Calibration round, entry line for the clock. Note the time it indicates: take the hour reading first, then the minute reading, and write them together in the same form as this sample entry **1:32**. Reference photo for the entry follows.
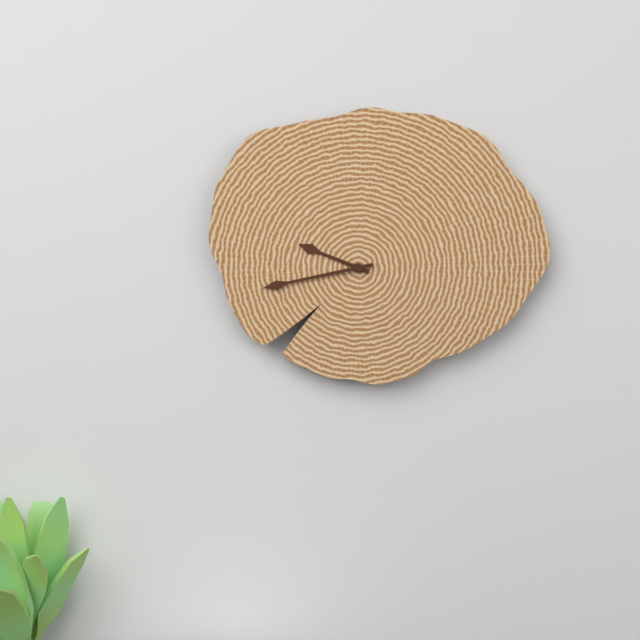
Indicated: **9:43**
